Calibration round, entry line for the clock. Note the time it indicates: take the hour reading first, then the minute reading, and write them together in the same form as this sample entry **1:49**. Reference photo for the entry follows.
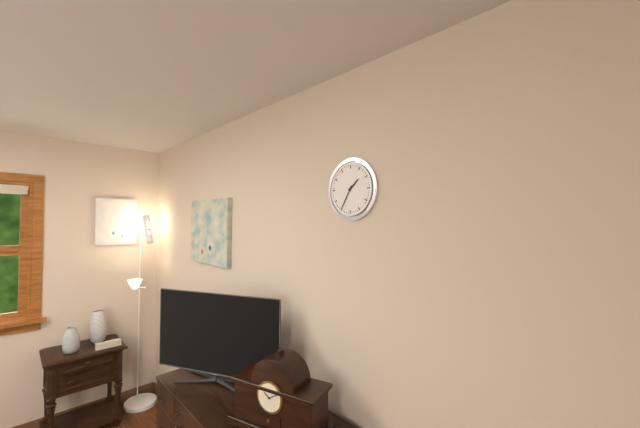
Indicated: **1:35**
